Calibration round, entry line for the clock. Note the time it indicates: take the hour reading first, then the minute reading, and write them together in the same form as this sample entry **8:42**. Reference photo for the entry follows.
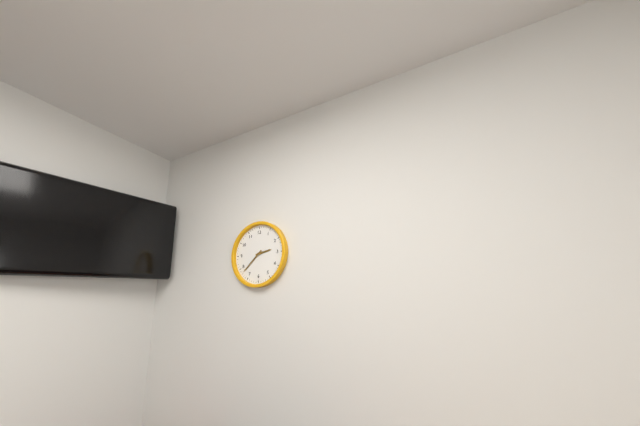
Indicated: **2:38**
